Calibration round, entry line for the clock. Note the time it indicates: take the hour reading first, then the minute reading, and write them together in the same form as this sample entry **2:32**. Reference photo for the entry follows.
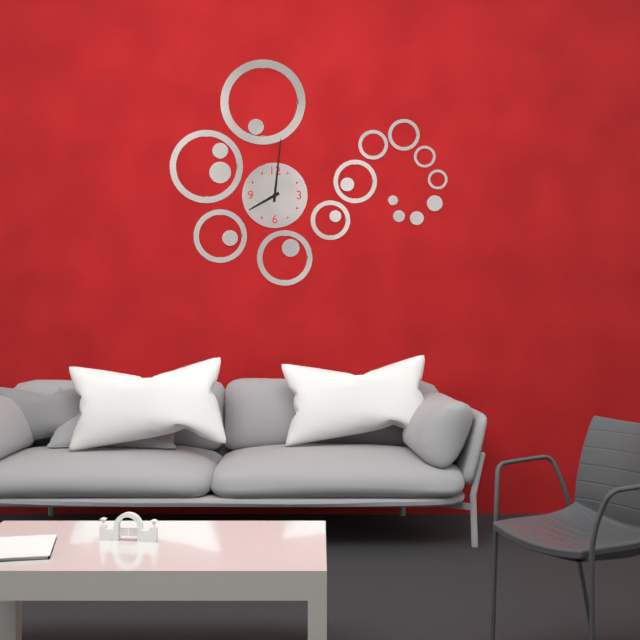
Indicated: **8:01**
